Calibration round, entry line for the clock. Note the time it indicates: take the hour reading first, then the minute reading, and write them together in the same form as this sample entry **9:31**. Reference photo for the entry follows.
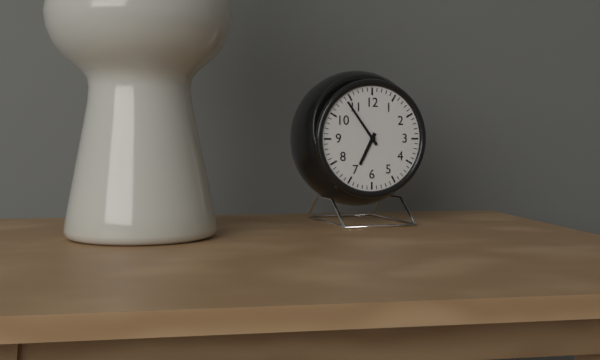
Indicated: **6:54**
